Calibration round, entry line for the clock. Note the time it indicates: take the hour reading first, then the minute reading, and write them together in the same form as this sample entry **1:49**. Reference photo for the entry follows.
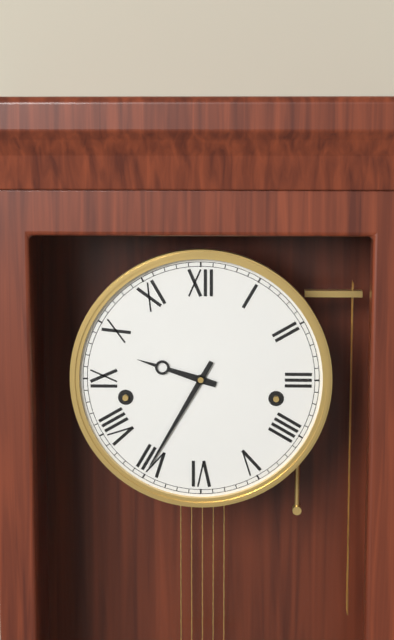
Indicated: **9:35**
